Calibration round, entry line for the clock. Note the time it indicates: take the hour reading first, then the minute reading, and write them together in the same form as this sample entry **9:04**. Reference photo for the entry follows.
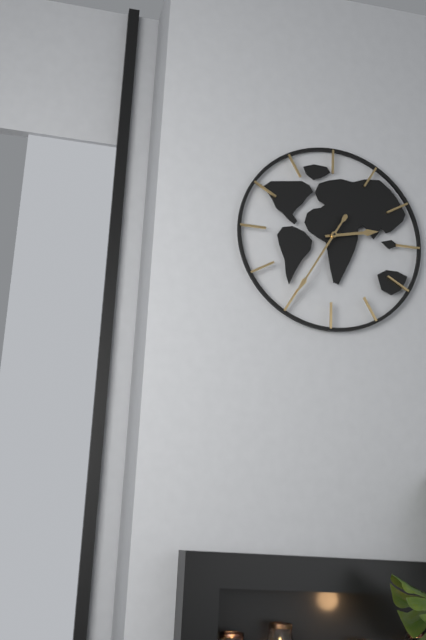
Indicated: **2:35**
